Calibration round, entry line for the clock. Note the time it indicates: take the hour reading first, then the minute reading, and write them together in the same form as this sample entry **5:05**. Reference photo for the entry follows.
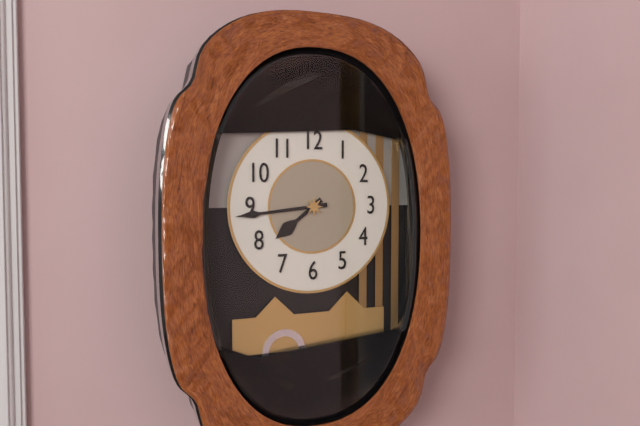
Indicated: **7:44**
